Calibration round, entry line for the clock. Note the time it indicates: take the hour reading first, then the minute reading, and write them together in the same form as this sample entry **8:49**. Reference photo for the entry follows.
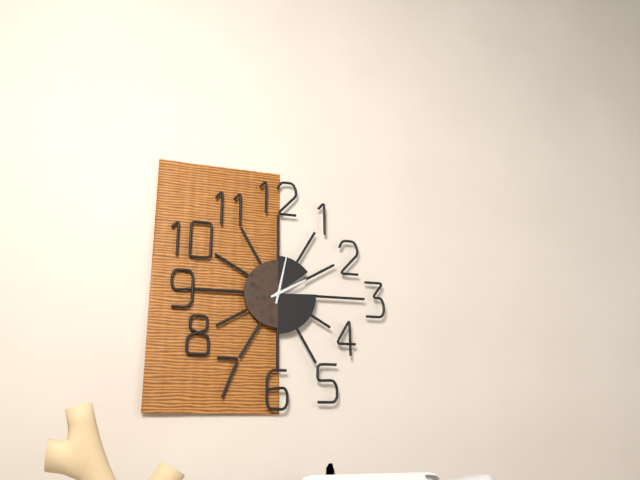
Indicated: **2:02**
